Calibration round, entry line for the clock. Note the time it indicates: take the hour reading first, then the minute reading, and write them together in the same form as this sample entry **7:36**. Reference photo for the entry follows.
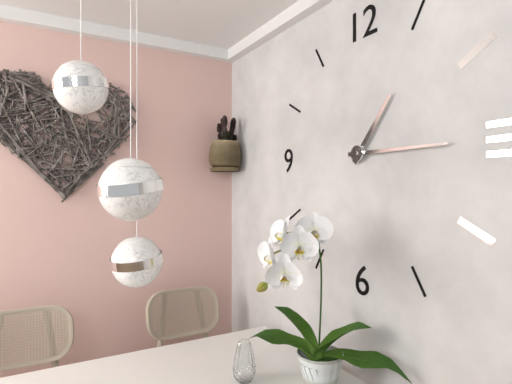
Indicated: **1:15**
